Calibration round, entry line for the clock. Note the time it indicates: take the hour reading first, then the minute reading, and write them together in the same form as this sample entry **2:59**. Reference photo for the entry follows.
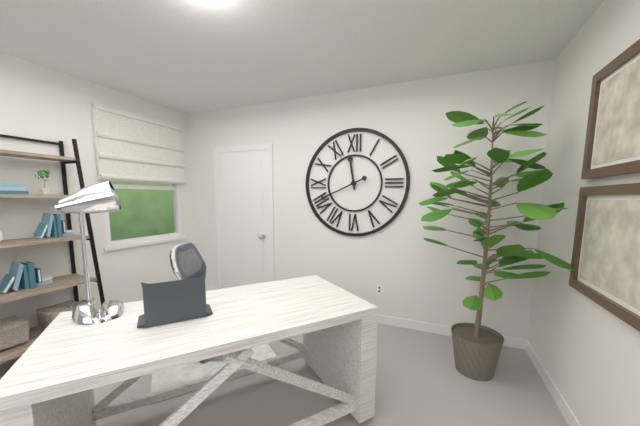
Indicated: **11:41**
